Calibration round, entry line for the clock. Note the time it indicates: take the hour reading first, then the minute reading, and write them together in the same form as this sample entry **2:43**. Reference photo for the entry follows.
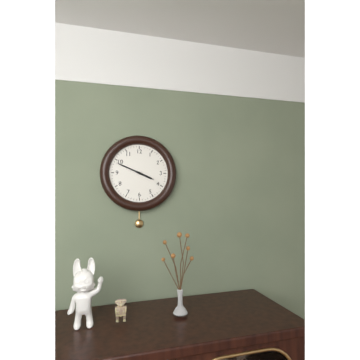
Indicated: **3:49**
